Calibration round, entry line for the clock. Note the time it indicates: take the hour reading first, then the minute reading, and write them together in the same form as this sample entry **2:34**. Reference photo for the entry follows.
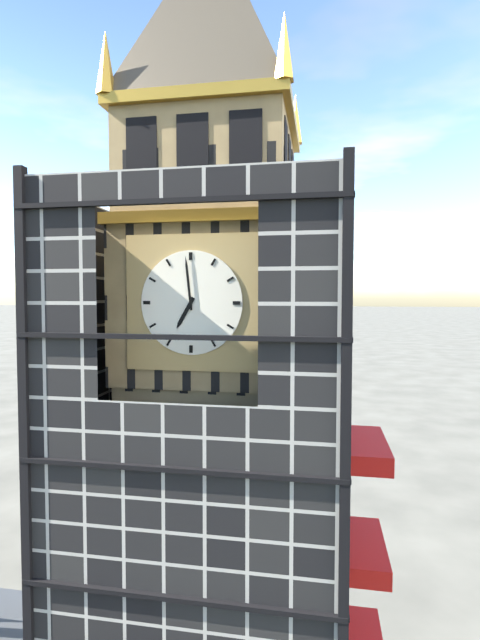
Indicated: **6:59**
